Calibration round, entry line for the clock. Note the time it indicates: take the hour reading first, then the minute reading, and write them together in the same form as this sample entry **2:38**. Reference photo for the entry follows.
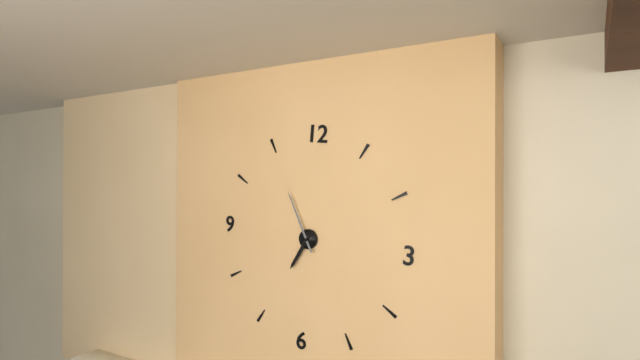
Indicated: **6:55**
